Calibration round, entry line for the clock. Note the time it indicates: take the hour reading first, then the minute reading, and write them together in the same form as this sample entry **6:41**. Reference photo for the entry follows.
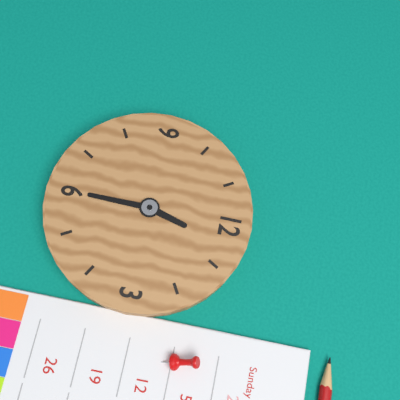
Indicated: **12:30**
